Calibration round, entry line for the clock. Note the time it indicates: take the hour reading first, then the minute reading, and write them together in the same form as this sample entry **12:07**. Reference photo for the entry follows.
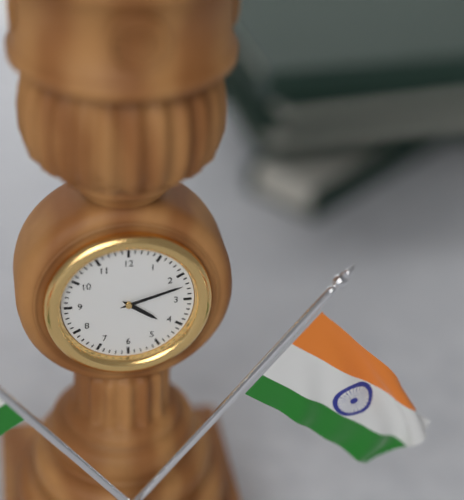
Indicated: **4:12**
